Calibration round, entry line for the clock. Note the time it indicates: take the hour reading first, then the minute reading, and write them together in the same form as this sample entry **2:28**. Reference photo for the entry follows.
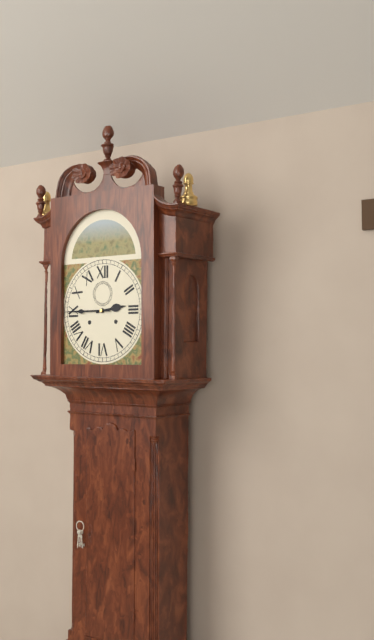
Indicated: **2:45**
